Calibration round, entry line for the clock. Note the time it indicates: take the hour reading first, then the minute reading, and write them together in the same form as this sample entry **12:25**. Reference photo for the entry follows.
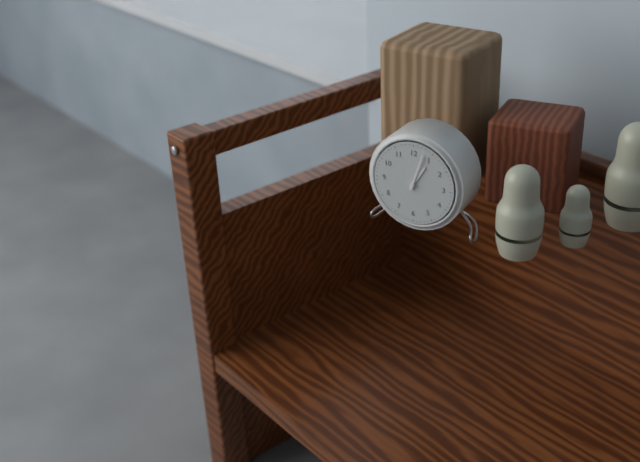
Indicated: **1:03**
